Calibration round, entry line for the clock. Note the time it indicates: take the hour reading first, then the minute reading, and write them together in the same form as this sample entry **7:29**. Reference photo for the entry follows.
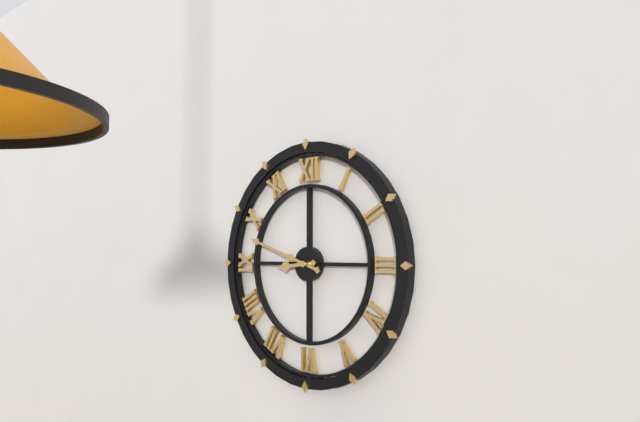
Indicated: **8:48**
